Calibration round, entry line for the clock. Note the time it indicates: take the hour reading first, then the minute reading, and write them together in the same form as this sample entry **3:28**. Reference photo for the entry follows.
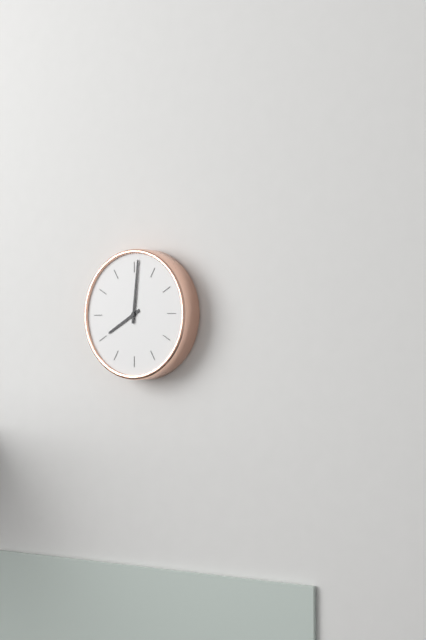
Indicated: **8:01**
